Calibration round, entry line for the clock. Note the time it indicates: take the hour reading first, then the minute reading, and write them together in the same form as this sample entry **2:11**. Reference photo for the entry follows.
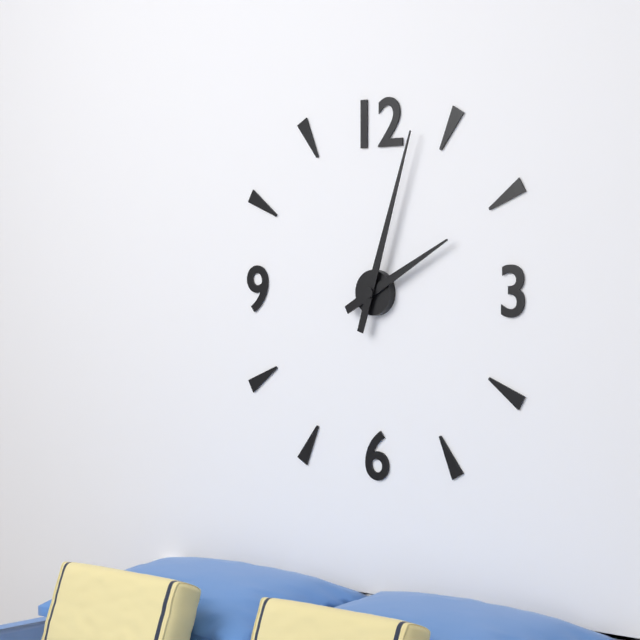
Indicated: **2:03**
